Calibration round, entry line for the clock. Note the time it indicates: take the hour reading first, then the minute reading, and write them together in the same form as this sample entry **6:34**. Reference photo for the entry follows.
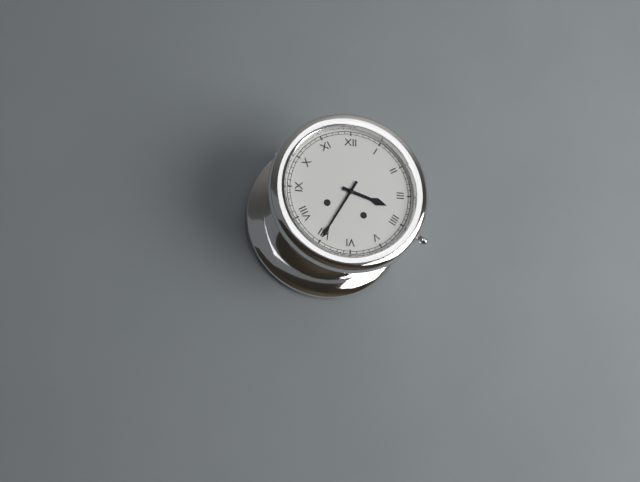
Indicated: **3:35**
